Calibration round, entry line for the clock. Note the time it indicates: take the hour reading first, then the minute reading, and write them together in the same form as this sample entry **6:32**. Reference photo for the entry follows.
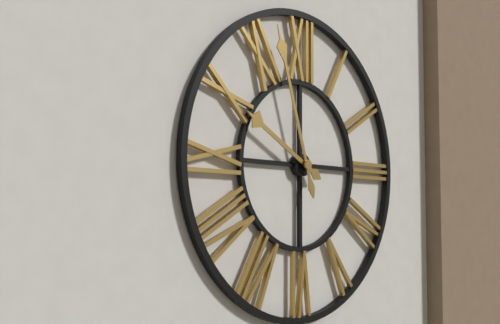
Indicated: **9:57**
